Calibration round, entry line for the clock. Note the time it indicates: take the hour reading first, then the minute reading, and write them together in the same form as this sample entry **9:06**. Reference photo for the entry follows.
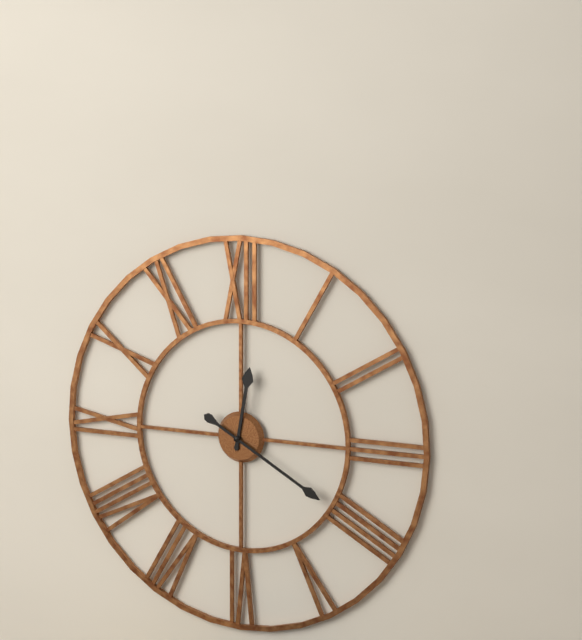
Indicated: **12:20**
